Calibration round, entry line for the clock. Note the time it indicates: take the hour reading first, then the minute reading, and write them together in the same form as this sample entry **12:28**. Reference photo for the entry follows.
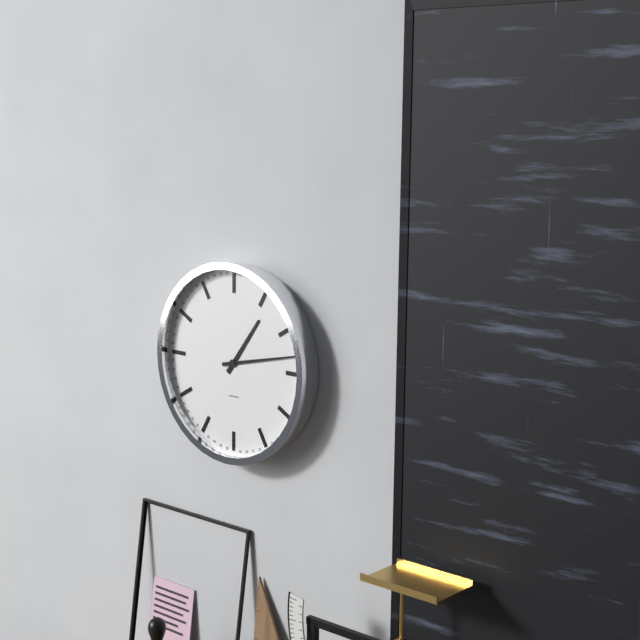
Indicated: **1:13**
